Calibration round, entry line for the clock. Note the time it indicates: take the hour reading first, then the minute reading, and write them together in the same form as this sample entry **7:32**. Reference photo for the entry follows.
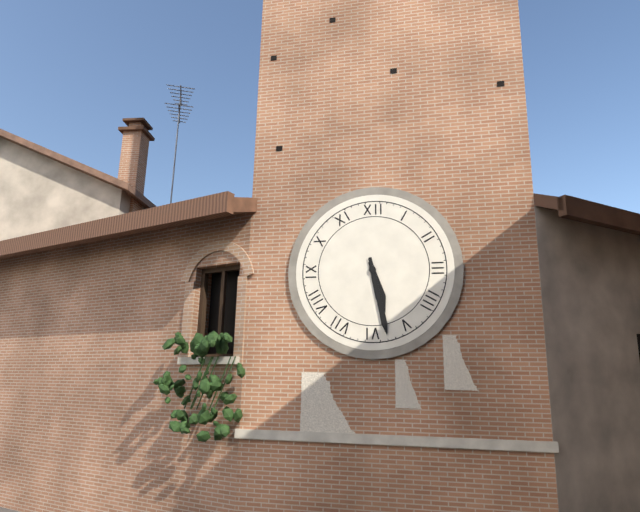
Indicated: **5:28**
